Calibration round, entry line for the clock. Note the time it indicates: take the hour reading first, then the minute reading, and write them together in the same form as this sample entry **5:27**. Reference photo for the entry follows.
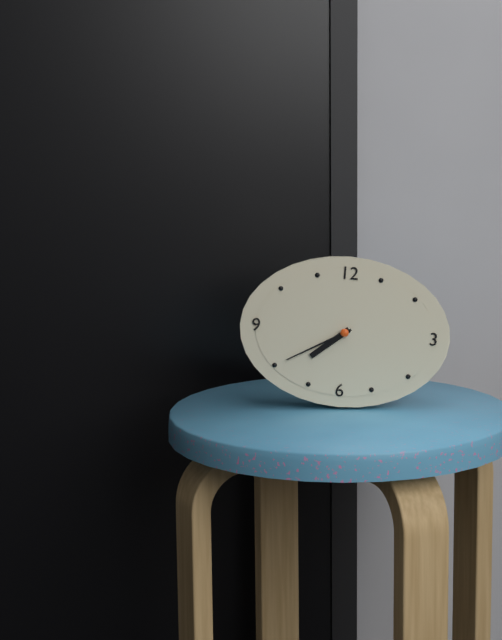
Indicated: **7:40**
